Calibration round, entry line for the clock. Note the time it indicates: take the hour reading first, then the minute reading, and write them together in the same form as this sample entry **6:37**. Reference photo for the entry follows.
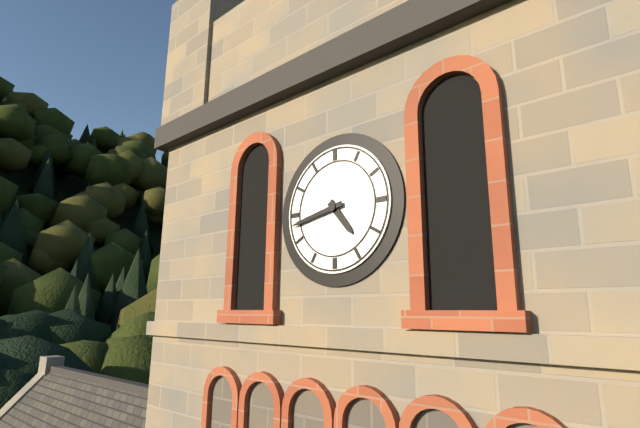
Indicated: **4:43**
